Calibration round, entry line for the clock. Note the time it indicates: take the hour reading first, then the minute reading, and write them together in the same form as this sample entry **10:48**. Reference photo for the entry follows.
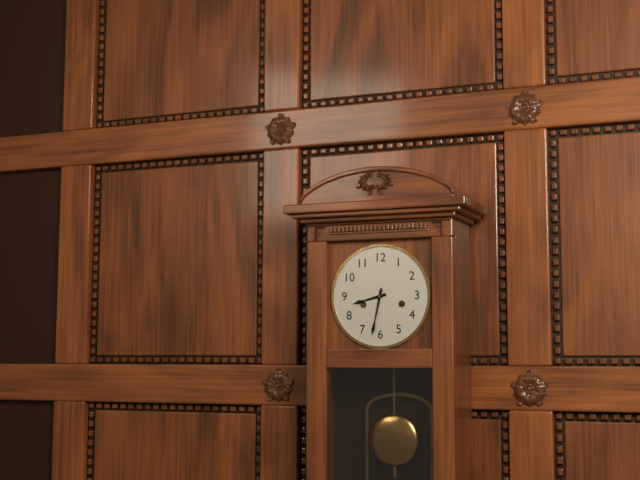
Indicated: **8:32**
